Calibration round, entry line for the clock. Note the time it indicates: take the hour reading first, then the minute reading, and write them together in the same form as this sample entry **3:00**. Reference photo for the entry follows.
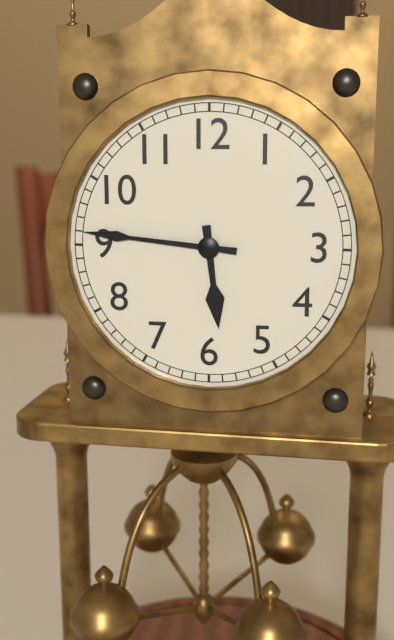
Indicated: **5:46**
